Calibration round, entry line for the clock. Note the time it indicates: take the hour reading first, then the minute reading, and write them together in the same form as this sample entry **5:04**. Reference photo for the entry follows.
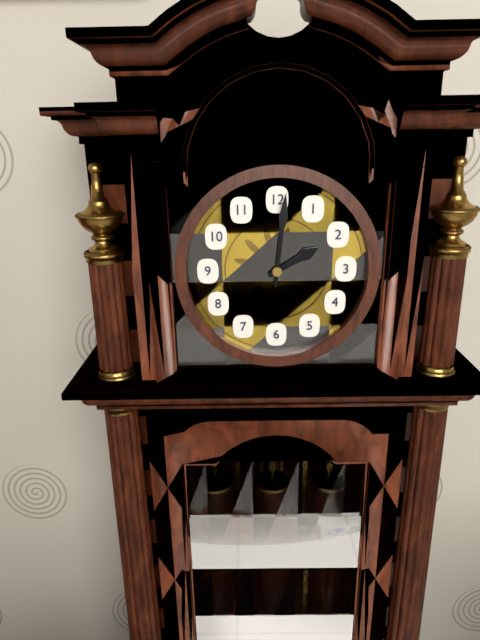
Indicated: **2:01**
